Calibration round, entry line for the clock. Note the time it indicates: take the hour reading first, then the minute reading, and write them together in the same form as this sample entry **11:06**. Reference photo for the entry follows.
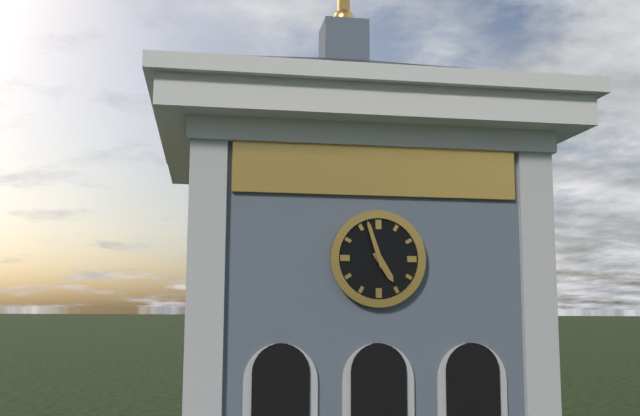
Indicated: **4:57**
